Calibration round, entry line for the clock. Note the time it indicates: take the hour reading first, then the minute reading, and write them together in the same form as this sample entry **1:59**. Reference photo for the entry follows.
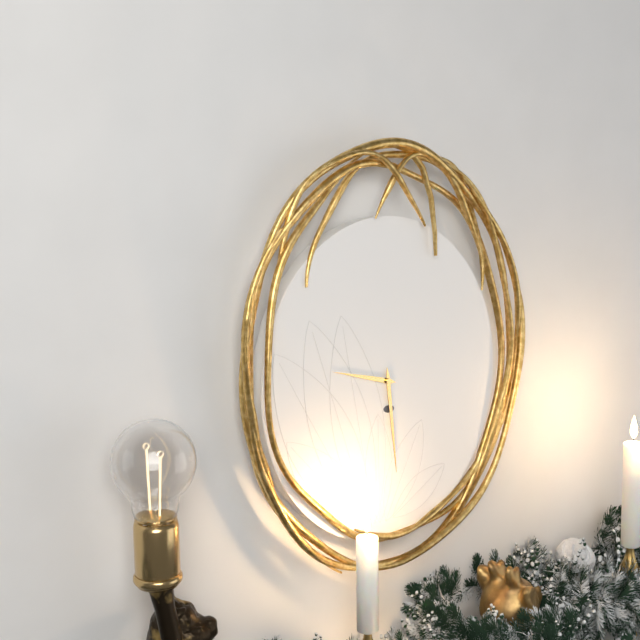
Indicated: **9:29**
